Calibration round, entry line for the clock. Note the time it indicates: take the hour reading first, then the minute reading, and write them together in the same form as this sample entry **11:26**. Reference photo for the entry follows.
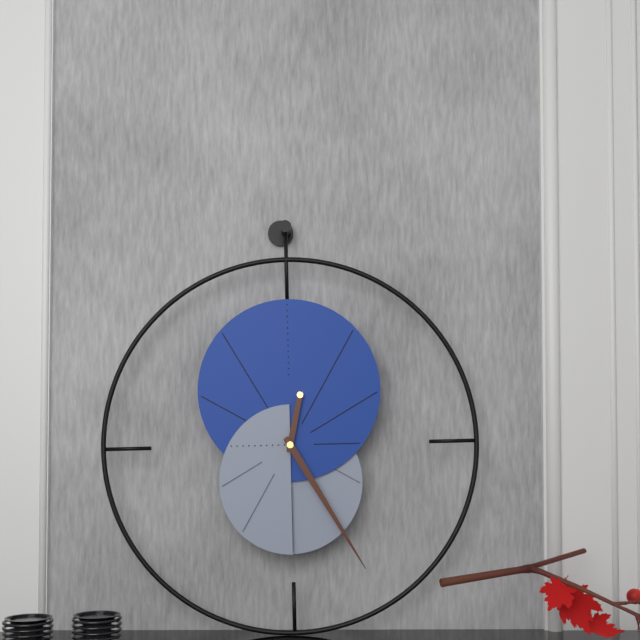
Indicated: **12:25**
